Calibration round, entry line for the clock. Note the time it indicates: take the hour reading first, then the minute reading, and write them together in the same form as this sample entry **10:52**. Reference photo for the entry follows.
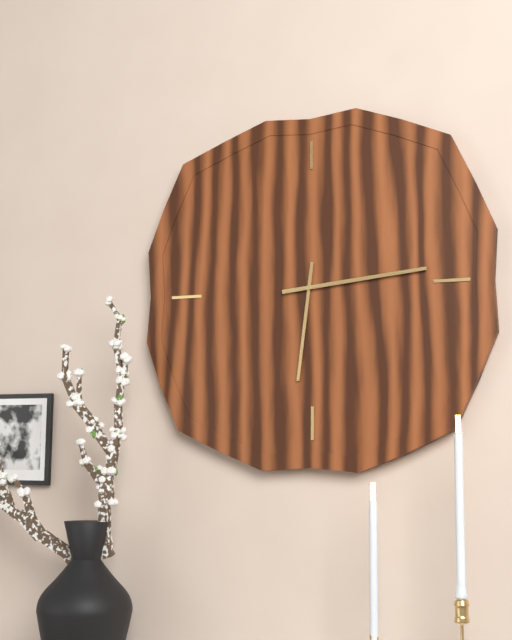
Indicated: **6:14**
